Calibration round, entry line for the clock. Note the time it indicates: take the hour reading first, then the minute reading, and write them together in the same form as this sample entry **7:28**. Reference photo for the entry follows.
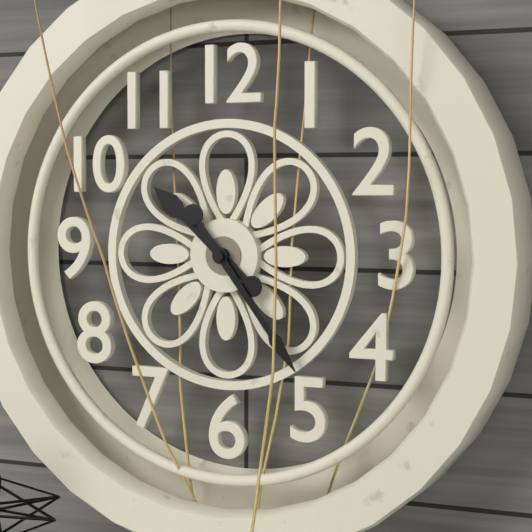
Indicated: **10:24**
